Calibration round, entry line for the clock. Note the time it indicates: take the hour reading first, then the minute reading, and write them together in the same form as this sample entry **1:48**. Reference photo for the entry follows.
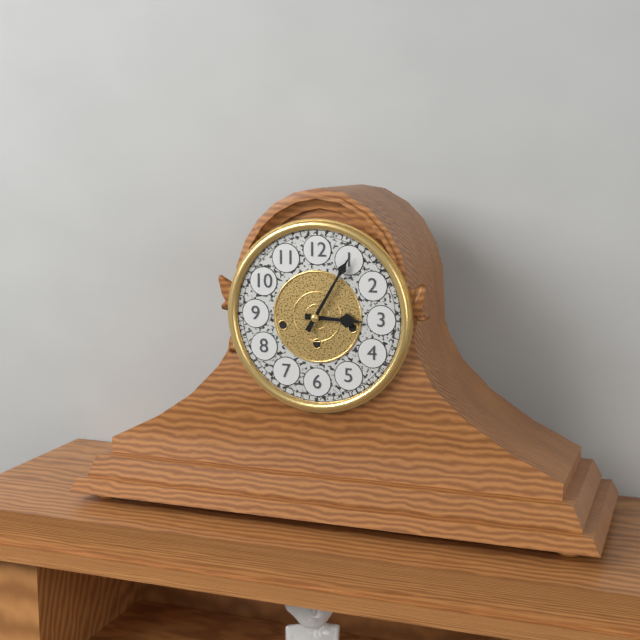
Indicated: **3:05**
